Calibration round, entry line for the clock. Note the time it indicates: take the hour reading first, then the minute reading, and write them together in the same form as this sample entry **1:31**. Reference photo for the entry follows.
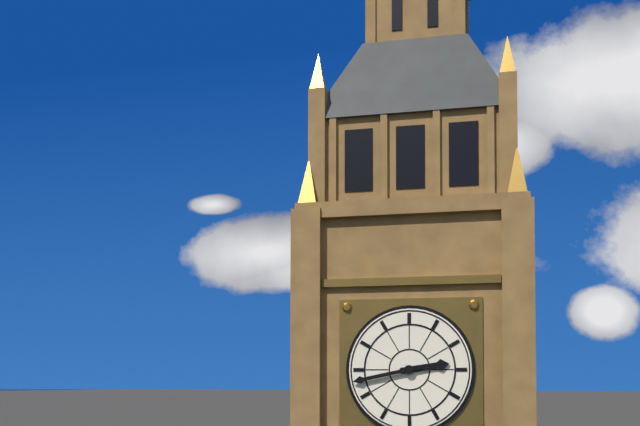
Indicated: **2:43**
